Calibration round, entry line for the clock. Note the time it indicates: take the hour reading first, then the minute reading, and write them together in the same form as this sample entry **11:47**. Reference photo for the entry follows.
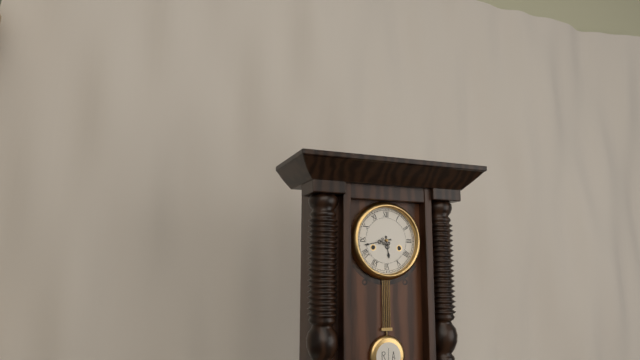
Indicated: **5:43**
